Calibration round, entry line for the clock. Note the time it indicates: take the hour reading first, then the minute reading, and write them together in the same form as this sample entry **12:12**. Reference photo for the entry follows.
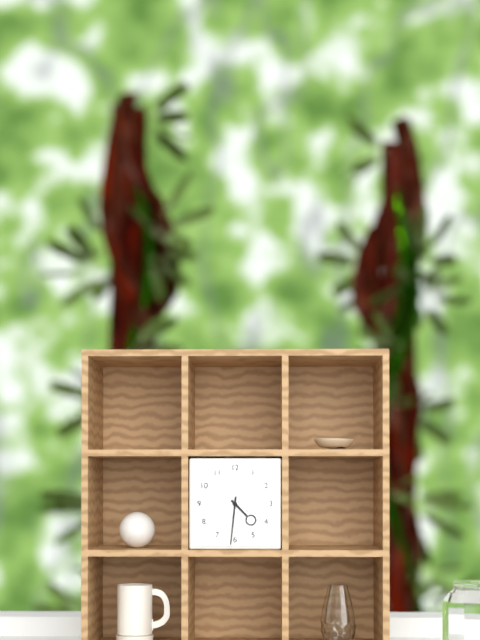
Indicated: **4:31**
